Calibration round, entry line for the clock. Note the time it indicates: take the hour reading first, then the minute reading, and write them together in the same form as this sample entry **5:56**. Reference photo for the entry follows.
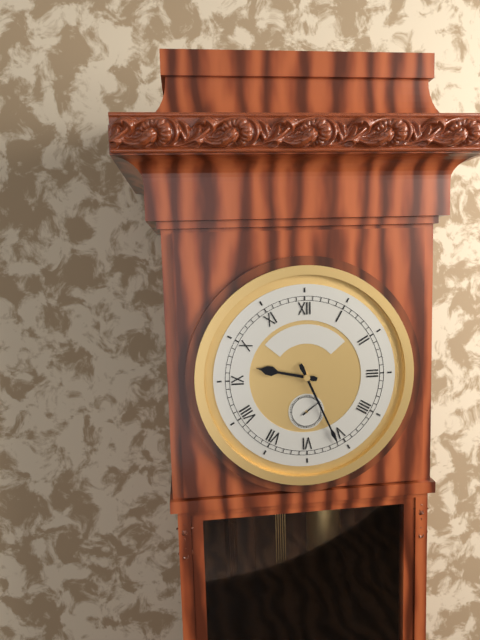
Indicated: **9:26**
